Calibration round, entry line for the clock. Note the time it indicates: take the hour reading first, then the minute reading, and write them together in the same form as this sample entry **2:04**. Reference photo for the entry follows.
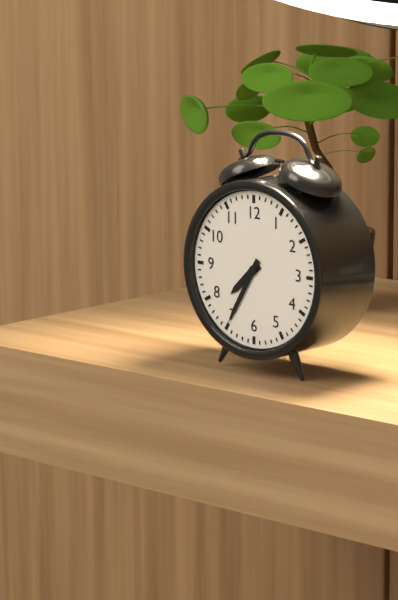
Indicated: **7:35**
